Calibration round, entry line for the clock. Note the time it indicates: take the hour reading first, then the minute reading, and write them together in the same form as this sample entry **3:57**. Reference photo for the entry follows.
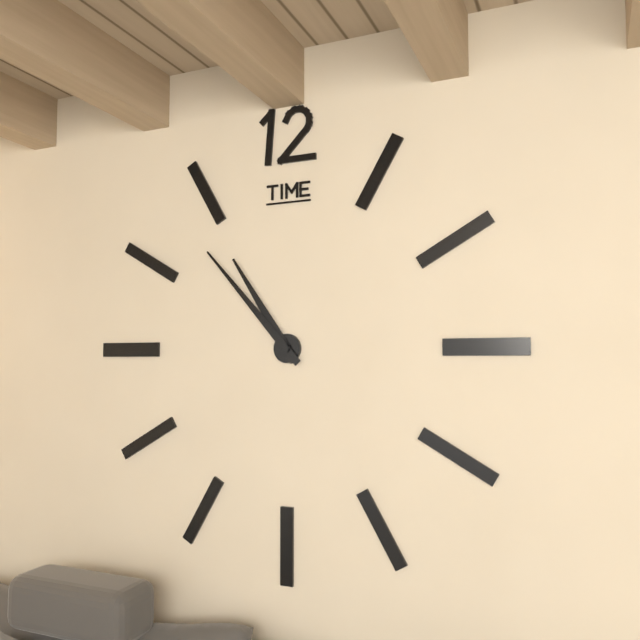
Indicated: **10:53**
